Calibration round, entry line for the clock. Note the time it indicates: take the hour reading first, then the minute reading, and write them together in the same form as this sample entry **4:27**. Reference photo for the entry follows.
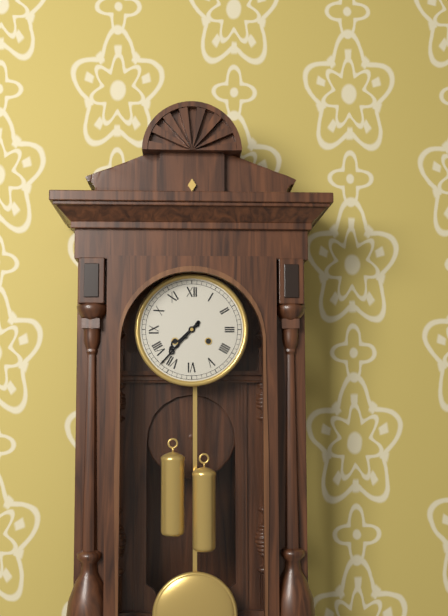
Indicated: **7:37**
